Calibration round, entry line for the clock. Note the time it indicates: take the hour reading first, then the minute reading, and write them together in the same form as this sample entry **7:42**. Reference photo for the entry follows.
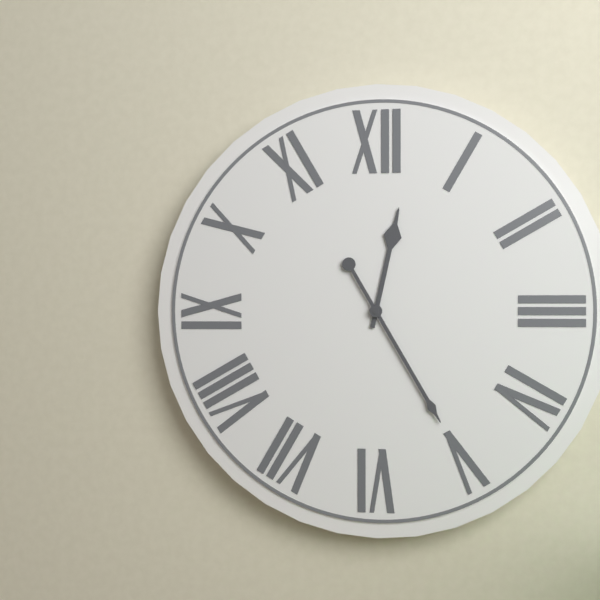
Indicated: **12:25**
